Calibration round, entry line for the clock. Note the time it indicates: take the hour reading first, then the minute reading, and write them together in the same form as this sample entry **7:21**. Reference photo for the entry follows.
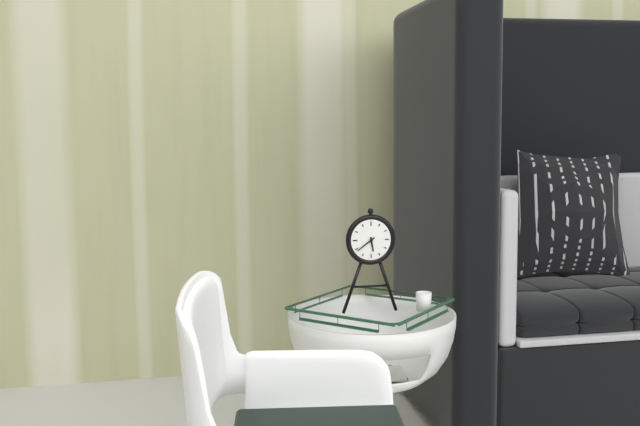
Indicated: **5:39**
